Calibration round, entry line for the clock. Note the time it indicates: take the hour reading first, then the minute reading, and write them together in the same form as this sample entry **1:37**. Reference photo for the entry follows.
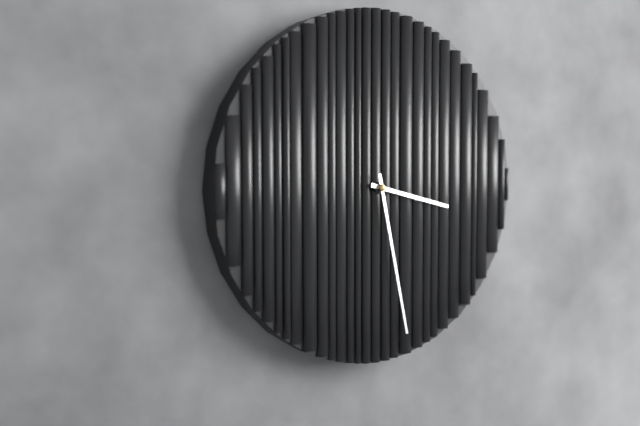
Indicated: **3:28**
